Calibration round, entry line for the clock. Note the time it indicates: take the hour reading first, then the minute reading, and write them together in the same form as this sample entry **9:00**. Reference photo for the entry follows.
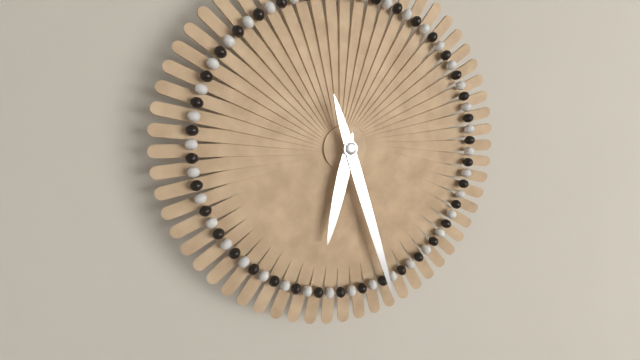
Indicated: **6:27**
